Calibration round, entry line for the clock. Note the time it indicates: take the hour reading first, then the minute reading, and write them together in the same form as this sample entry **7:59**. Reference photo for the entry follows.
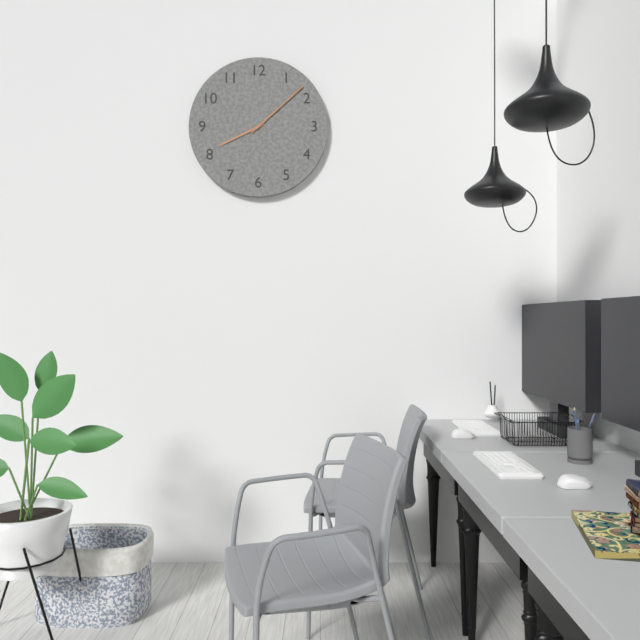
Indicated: **8:08**
